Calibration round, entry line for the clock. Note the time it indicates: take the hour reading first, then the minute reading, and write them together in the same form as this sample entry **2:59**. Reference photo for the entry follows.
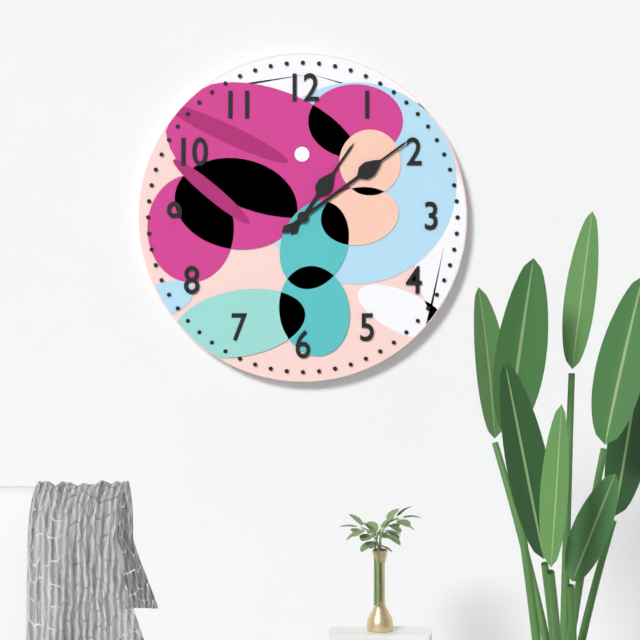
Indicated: **1:09**
